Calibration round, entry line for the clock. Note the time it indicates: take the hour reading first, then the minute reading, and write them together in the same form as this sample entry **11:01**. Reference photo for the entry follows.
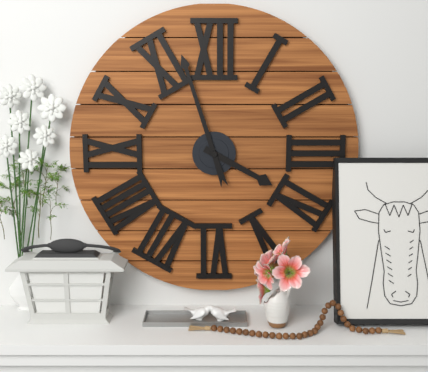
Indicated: **3:57**
